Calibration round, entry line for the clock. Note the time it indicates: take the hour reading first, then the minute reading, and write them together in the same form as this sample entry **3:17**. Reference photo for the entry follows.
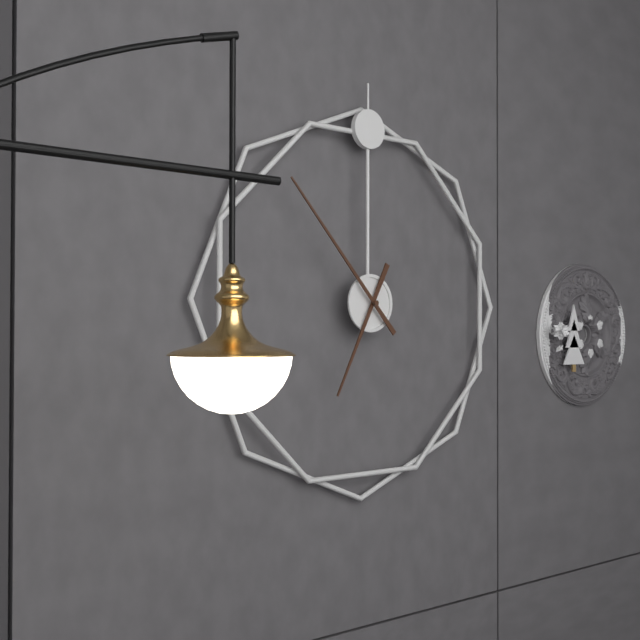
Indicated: **6:53**
